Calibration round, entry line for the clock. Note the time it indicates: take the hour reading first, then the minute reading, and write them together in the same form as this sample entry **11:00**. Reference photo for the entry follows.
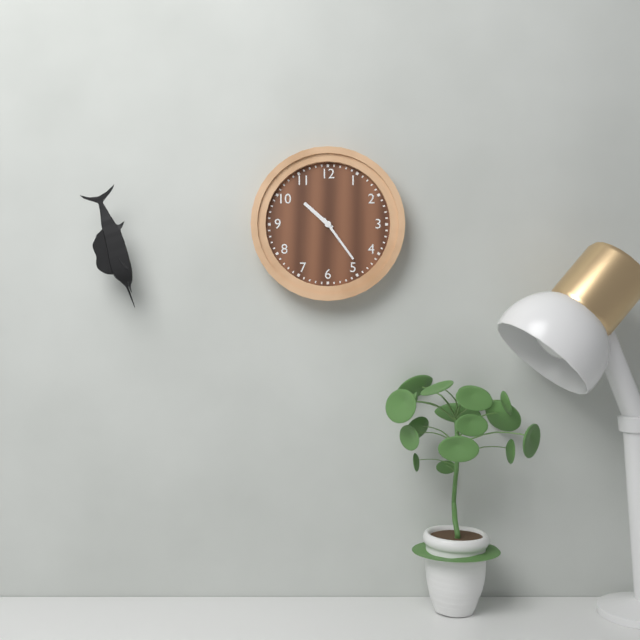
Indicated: **10:24**
